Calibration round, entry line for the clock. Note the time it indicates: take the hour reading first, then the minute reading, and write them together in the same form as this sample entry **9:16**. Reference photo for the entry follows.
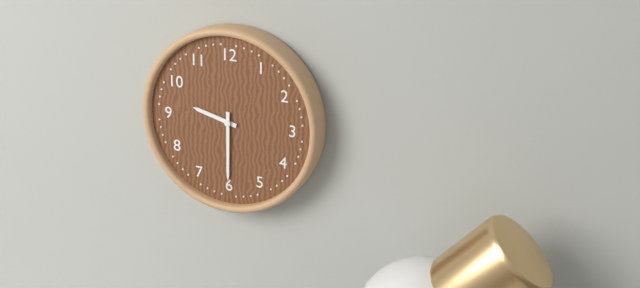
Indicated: **9:30**
